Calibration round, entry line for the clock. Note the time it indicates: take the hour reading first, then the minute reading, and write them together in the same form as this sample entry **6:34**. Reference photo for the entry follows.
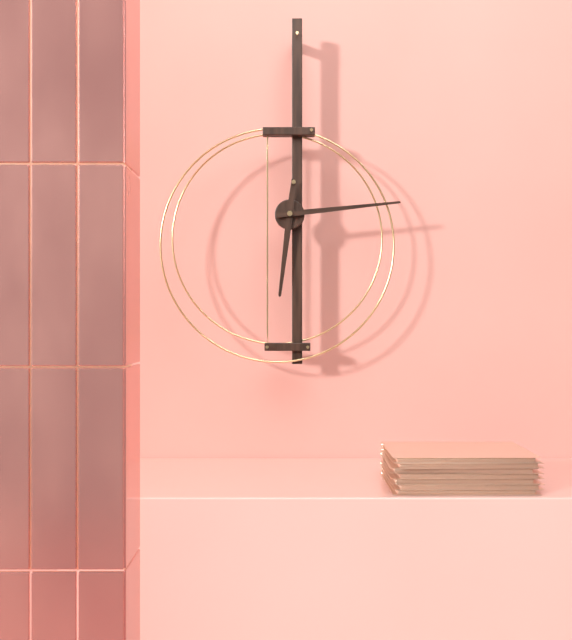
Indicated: **6:14**
